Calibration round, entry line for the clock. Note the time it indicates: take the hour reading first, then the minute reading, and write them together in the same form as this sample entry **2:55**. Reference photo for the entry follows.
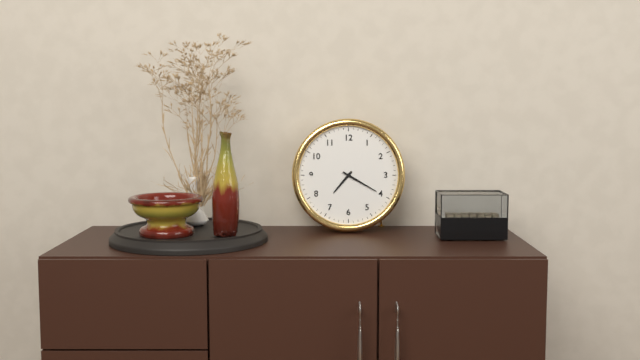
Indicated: **7:20**
